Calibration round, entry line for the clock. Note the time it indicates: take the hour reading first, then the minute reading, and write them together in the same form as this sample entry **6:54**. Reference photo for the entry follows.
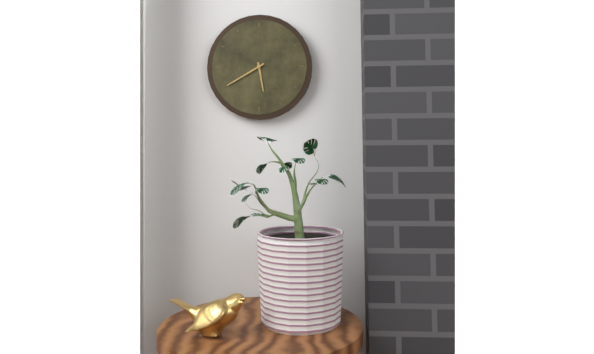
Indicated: **5:40**
